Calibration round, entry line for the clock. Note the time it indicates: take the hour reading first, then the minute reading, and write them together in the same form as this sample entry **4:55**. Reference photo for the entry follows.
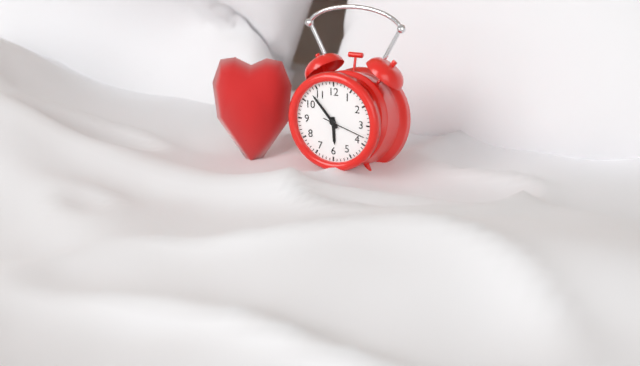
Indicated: **5:53**
